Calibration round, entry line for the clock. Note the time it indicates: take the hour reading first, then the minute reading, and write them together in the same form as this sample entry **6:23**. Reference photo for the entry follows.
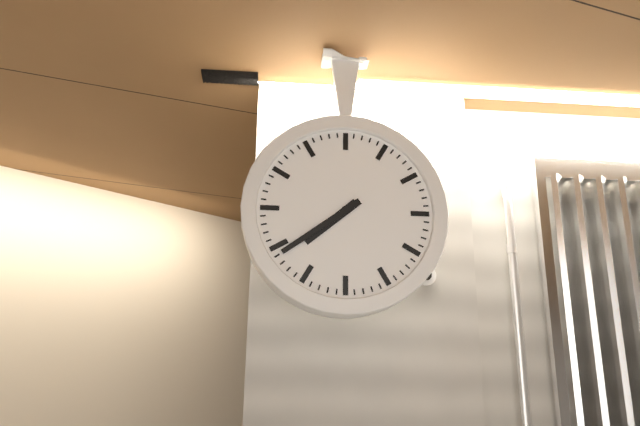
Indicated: **7:39**
